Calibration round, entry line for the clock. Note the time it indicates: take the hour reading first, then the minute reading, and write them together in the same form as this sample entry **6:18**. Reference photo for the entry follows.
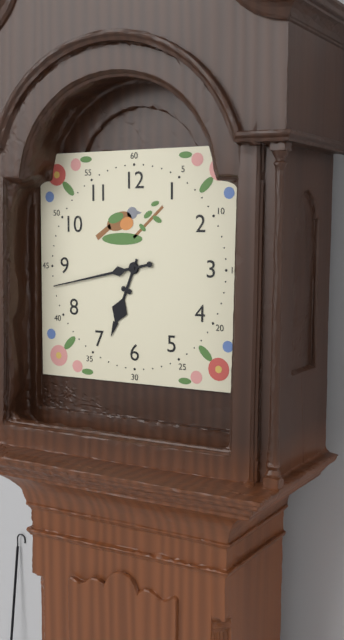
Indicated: **6:43**
